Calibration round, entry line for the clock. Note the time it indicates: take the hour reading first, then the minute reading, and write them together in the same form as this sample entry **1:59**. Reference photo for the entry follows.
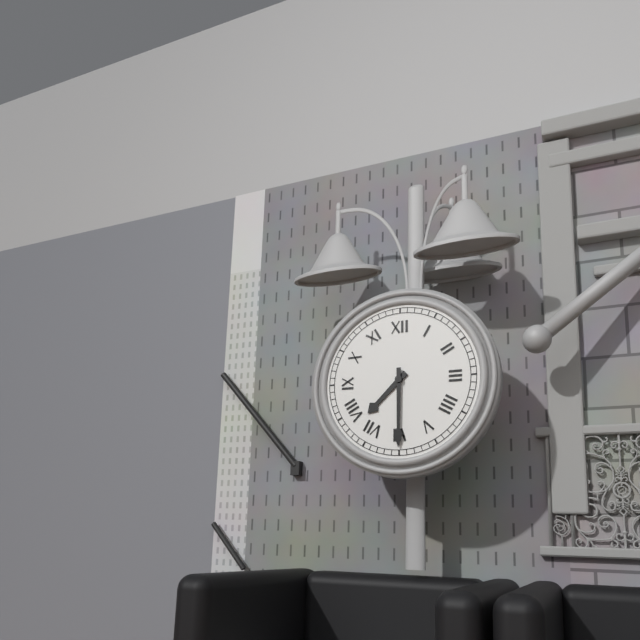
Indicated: **7:30**
